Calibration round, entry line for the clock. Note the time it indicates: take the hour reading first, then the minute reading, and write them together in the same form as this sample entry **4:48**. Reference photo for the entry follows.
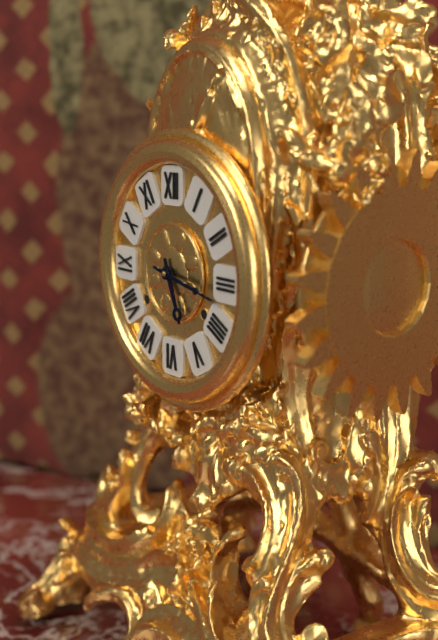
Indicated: **5:17**
